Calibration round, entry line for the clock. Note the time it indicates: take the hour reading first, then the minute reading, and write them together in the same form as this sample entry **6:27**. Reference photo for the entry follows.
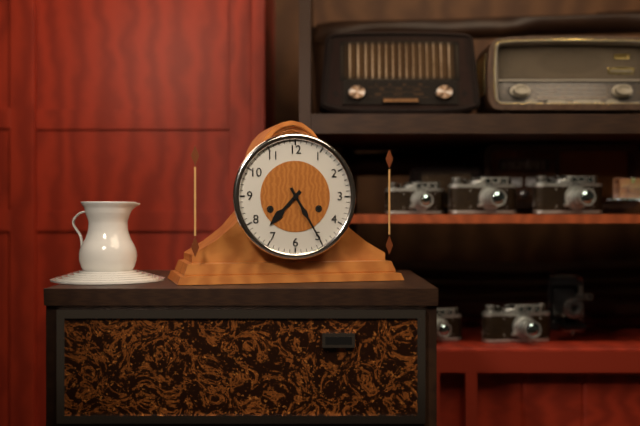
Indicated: **7:25**
